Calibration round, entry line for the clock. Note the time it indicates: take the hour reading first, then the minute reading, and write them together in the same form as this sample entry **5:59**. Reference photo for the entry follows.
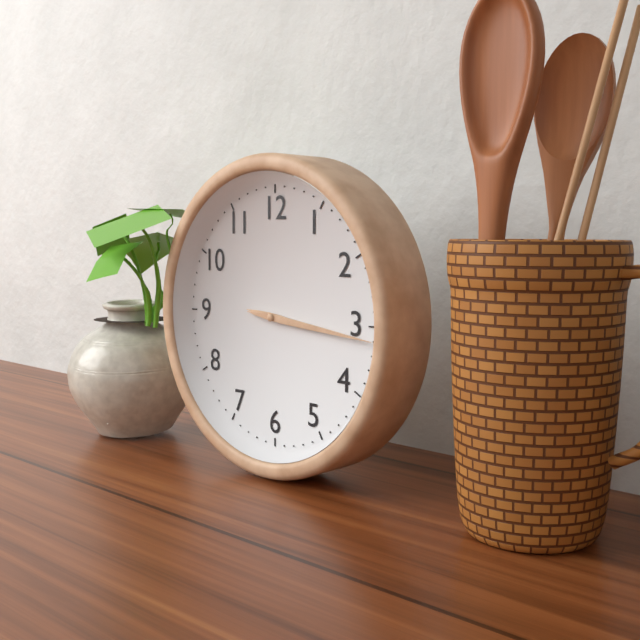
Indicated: **3:16**
